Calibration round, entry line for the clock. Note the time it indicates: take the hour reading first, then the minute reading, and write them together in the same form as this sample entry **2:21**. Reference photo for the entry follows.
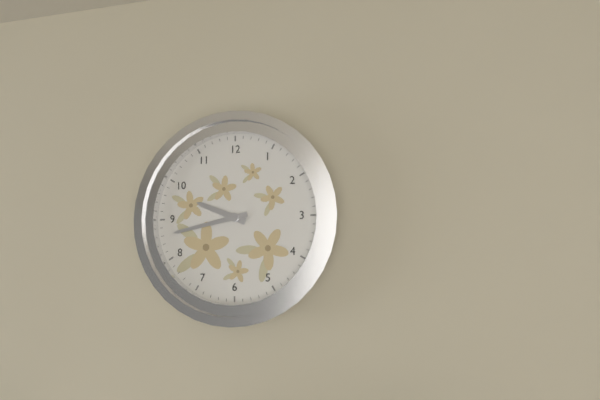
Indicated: **9:43**
